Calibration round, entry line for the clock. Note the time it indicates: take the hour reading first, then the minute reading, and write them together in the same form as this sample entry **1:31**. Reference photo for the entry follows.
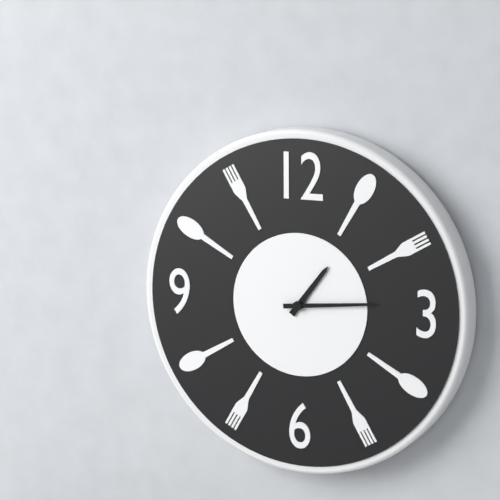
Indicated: **1:14**
